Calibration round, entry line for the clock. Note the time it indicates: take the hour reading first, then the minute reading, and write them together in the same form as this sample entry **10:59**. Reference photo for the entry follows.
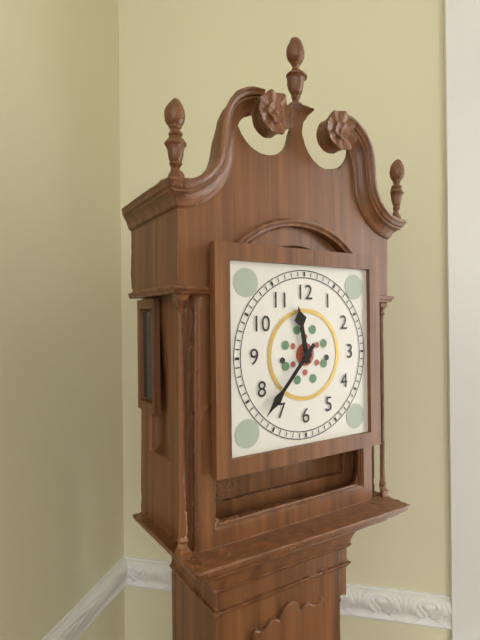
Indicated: **11:37**
